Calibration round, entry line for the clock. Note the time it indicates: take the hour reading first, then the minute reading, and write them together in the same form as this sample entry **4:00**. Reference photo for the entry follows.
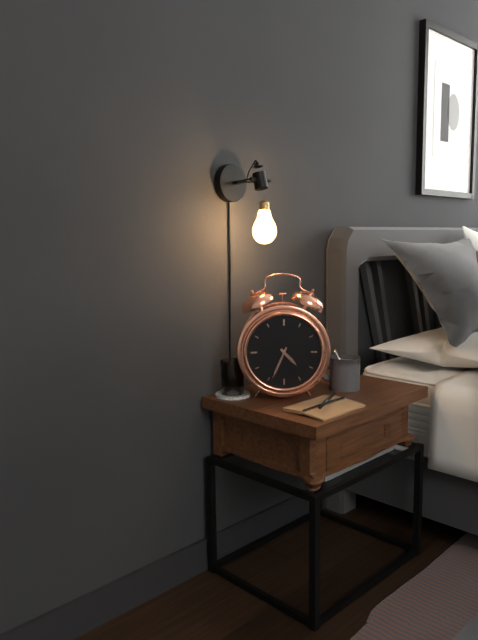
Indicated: **4:34**
